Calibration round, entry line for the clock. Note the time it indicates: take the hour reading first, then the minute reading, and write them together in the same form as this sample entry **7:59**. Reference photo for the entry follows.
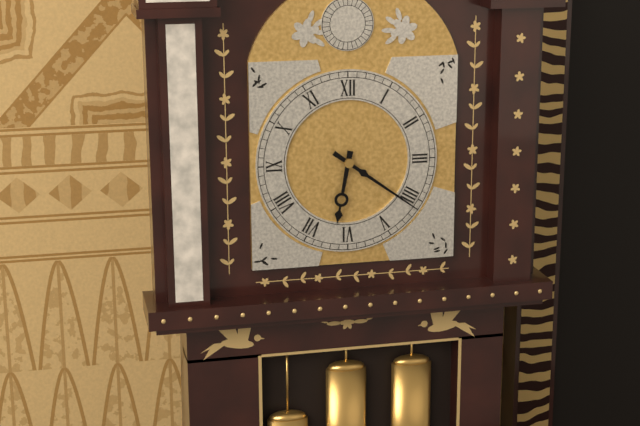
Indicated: **6:21**
